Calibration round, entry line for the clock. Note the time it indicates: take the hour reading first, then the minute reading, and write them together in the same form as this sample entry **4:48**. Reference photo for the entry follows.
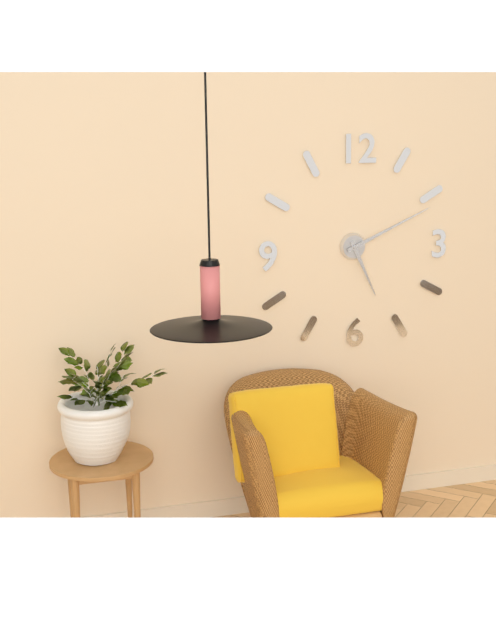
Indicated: **5:11**
